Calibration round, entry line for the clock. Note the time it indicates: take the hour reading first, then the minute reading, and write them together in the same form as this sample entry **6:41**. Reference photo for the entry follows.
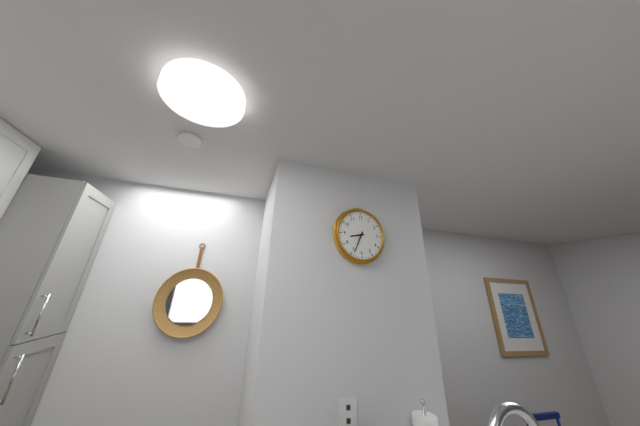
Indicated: **8:34**
